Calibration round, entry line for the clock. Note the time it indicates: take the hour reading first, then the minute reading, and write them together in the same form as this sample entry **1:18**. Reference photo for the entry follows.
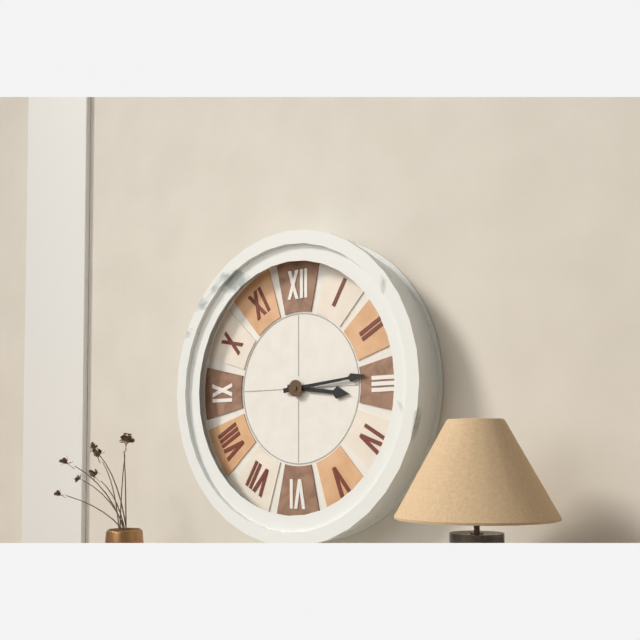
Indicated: **3:14**
